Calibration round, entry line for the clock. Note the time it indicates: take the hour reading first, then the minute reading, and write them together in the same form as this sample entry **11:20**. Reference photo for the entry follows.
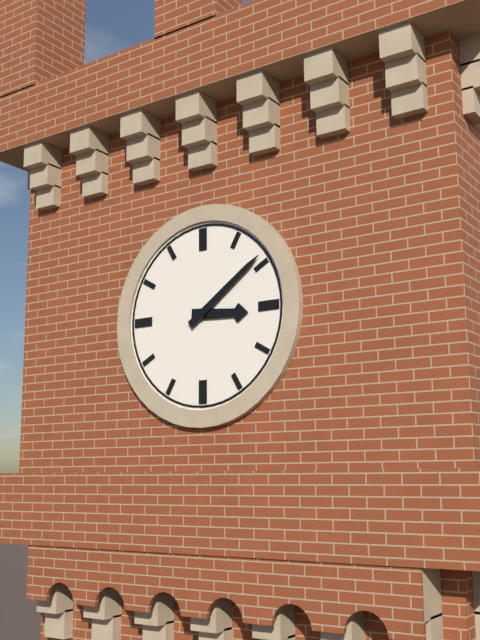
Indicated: **3:09**
